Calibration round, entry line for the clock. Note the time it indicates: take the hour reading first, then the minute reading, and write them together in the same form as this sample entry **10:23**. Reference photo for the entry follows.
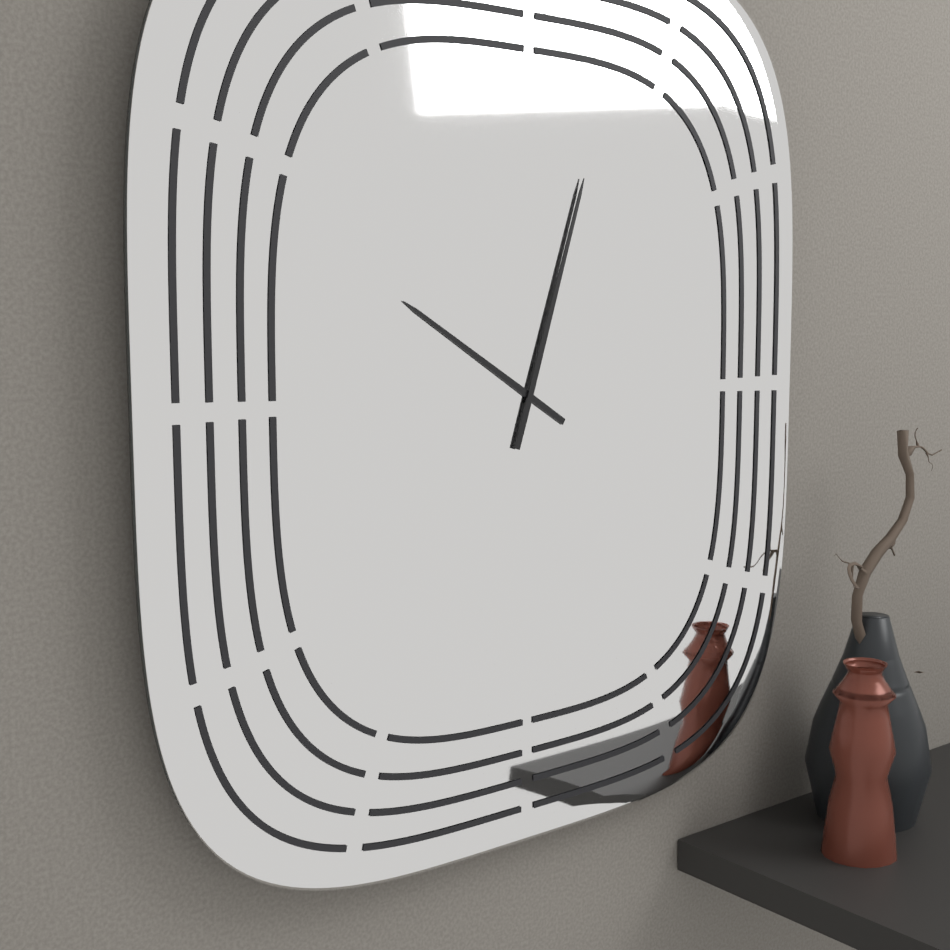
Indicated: **10:03**
